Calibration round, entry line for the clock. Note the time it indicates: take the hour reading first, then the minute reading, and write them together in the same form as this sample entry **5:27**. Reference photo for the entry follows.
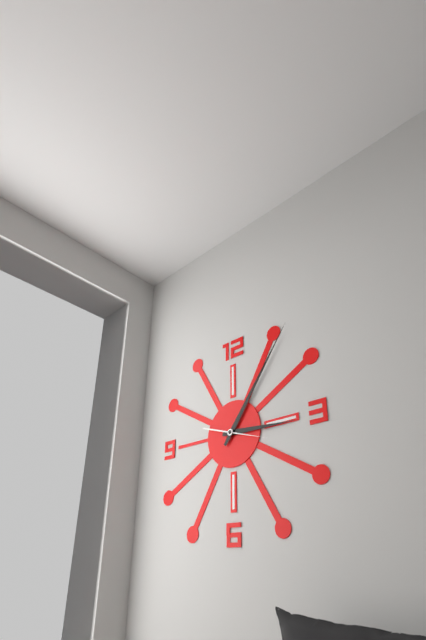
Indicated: **3:06**
